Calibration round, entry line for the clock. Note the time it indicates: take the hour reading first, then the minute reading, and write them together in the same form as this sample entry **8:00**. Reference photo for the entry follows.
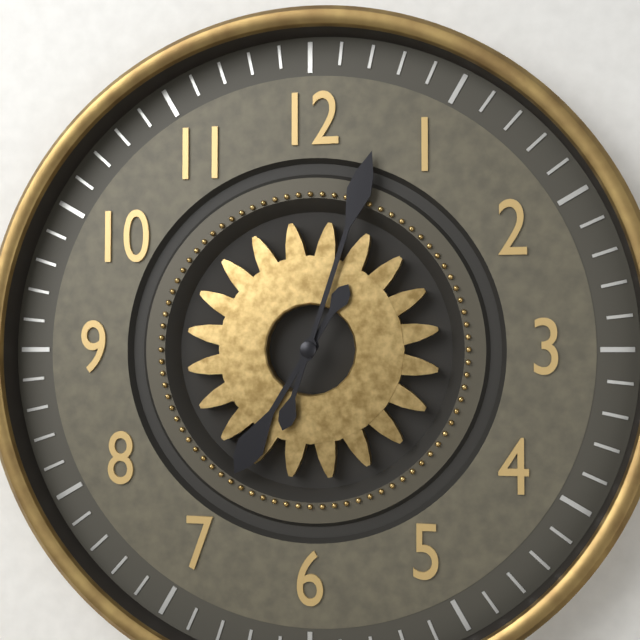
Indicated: **7:03**
